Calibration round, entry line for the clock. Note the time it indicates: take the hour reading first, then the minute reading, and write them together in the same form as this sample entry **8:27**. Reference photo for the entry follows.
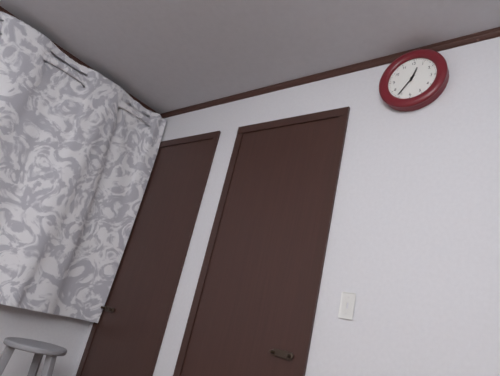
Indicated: **12:36**
